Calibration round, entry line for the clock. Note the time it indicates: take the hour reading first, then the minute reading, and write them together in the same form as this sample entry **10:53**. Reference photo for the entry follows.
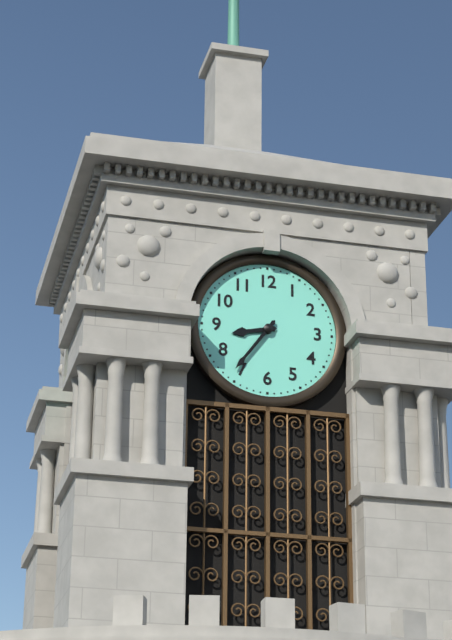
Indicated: **8:36**
